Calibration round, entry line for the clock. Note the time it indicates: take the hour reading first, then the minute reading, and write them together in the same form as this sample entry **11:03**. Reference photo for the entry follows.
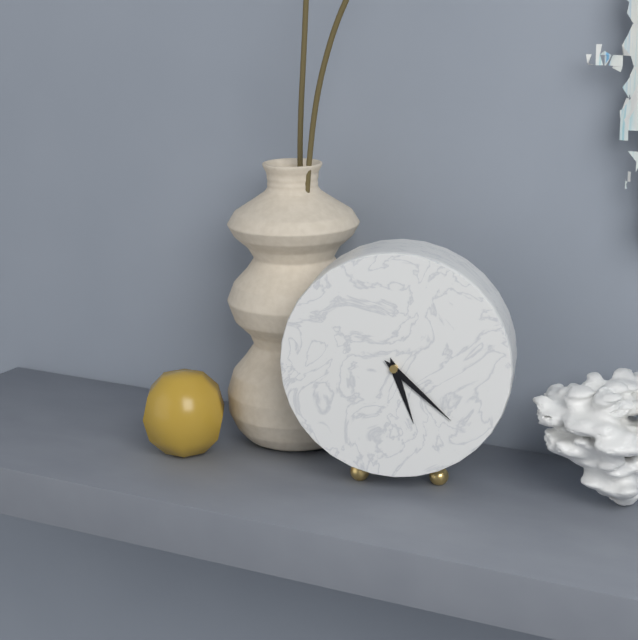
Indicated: **5:22**
